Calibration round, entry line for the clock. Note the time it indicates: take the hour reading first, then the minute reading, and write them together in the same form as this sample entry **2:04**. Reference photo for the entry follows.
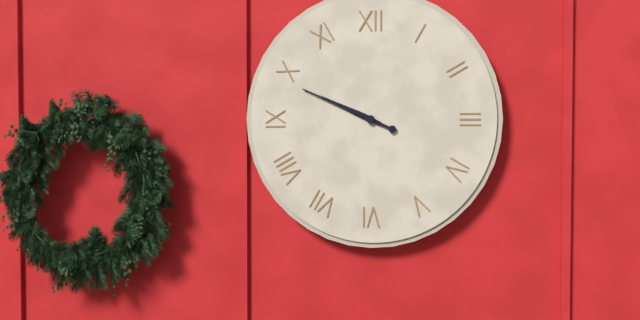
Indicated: **9:49**
